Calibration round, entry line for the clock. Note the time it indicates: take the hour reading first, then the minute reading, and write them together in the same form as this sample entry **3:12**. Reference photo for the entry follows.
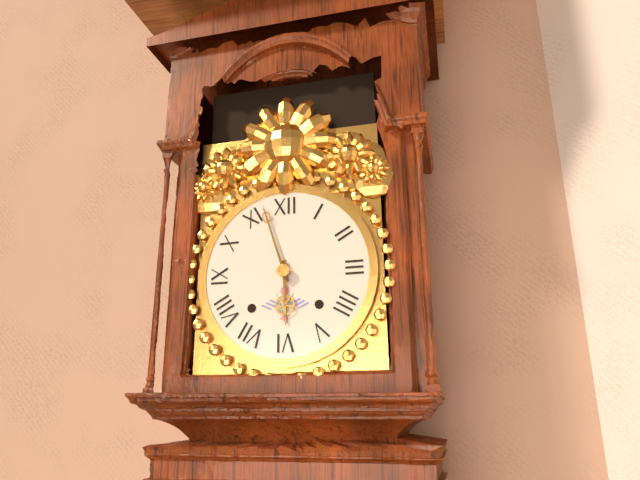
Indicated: **5:57**
